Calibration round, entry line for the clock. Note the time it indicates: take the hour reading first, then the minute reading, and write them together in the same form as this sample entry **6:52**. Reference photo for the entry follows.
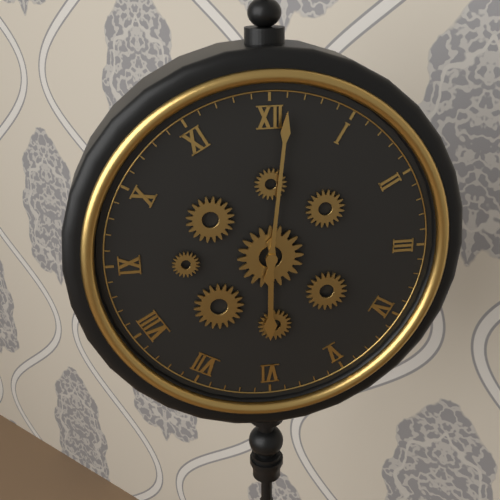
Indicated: **6:01**
